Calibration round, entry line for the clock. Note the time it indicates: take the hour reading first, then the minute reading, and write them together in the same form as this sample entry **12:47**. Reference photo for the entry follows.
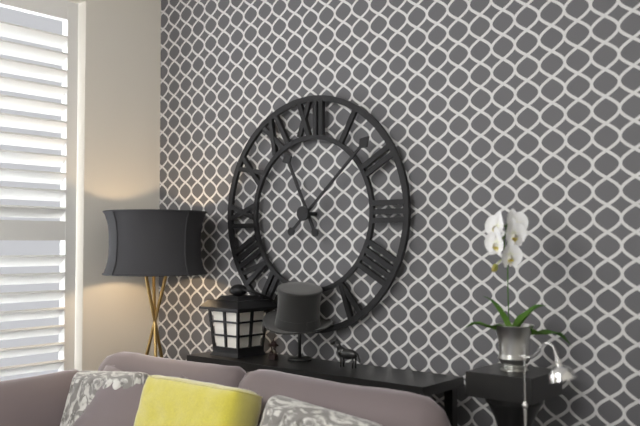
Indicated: **11:08**
